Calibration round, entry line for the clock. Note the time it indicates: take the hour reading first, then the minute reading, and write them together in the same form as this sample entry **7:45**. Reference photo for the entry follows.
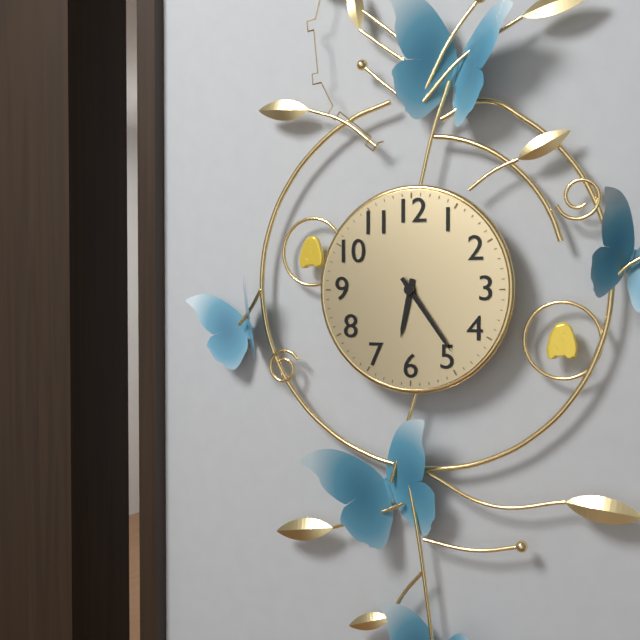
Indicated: **6:24**
